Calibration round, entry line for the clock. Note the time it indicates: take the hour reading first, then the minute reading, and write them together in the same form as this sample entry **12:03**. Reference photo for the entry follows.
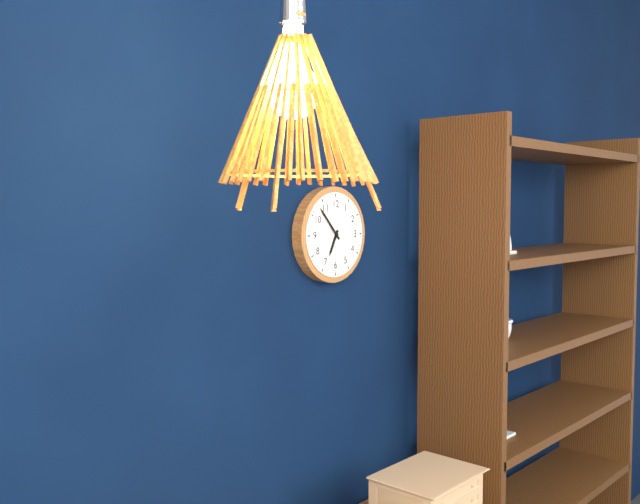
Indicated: **6:53**
